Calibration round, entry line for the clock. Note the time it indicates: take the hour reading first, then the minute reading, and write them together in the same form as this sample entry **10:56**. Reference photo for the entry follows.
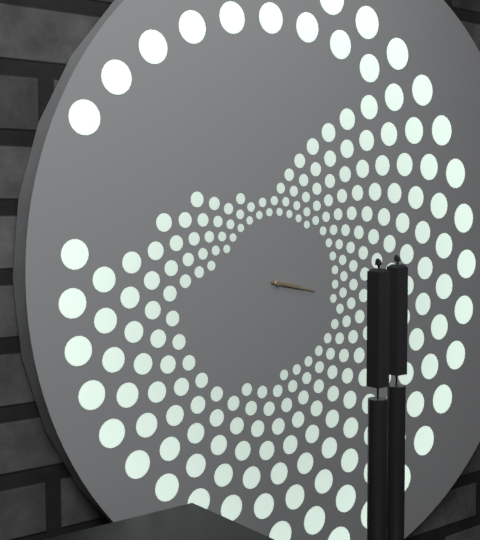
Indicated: **3:17**
